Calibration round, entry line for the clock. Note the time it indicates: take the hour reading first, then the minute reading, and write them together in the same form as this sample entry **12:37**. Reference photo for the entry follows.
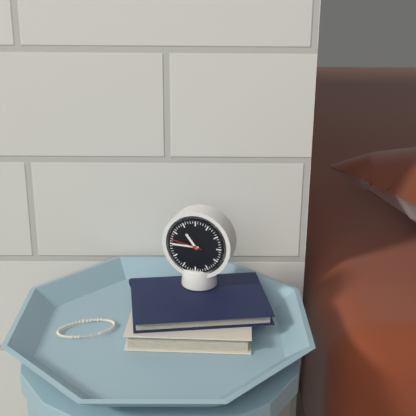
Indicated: **10:45**
